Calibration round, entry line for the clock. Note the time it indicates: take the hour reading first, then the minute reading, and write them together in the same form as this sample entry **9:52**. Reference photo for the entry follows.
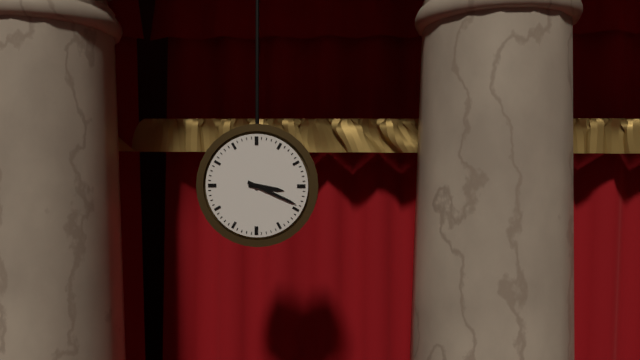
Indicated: **3:19**
